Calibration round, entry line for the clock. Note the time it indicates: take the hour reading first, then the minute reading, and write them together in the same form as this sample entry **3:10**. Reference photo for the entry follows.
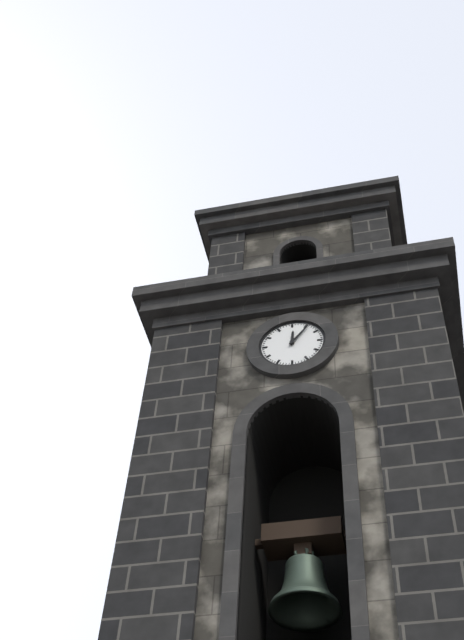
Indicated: **12:06**
